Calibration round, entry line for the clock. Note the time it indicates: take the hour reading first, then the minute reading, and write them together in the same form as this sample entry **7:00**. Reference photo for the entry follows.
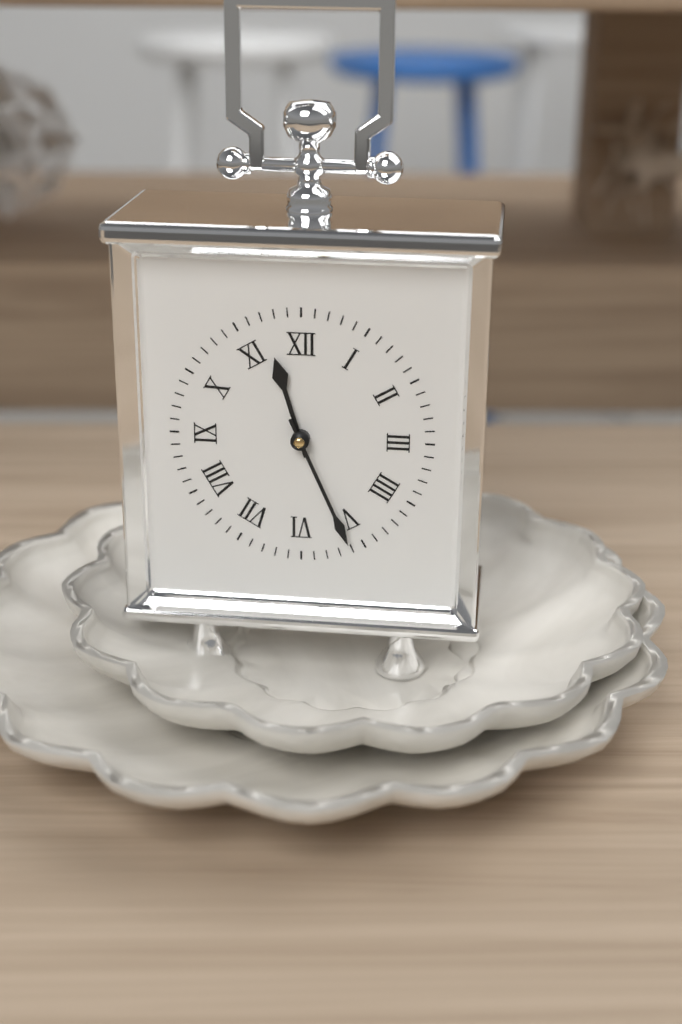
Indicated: **11:26**
